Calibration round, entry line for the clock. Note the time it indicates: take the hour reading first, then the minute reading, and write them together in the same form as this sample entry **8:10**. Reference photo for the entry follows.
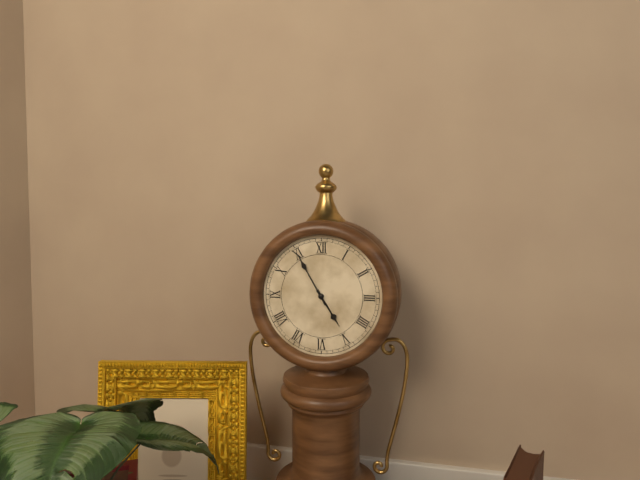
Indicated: **4:55**
